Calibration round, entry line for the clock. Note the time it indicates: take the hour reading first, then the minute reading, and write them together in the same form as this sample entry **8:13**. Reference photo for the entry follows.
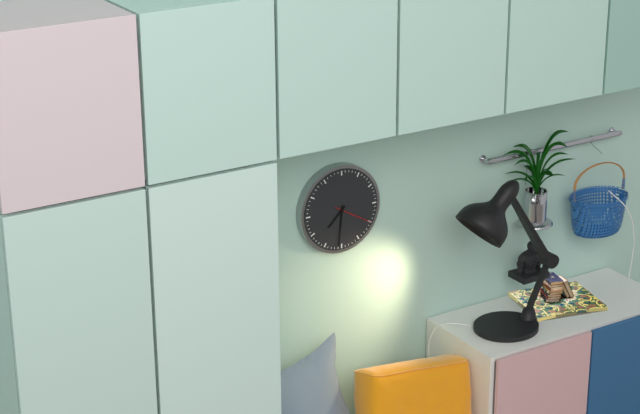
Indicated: **7:31**
